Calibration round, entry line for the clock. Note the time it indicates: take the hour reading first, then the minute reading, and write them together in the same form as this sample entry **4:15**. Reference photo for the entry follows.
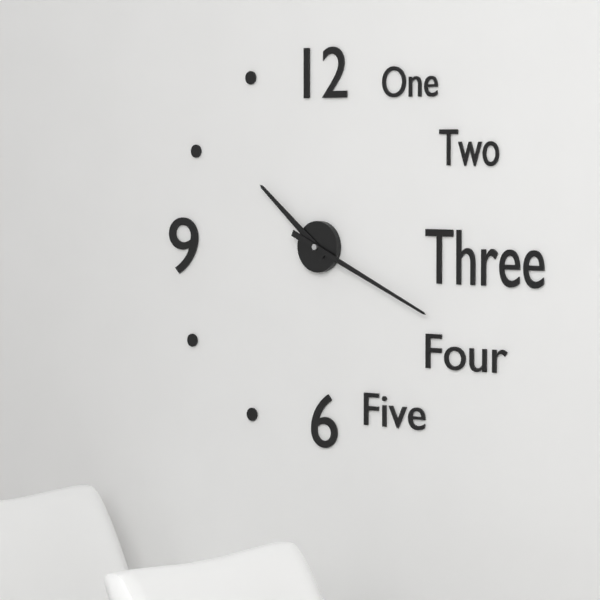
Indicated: **10:19**
